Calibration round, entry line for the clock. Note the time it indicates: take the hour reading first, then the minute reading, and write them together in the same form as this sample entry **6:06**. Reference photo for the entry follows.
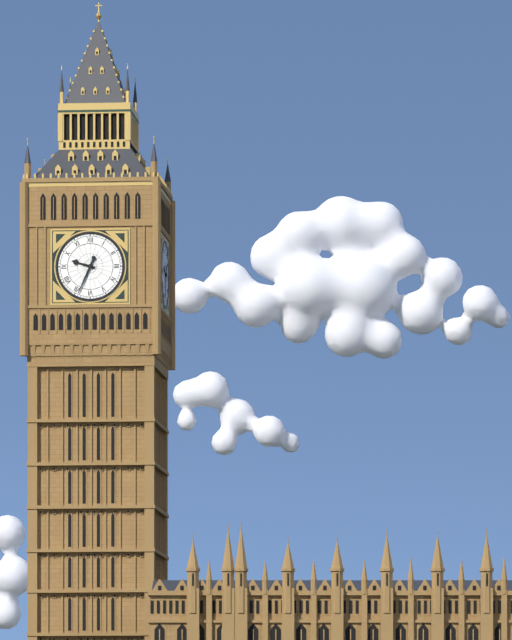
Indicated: **9:34**
